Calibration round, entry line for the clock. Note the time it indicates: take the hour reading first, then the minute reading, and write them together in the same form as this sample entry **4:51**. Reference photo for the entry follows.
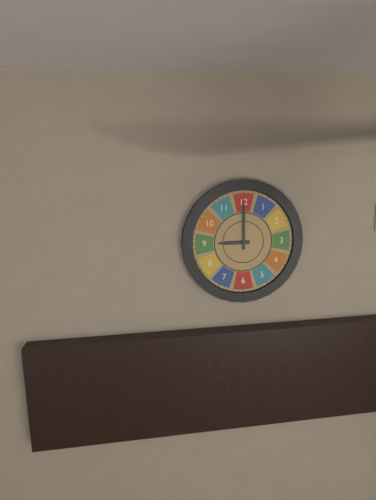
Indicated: **9:00**
